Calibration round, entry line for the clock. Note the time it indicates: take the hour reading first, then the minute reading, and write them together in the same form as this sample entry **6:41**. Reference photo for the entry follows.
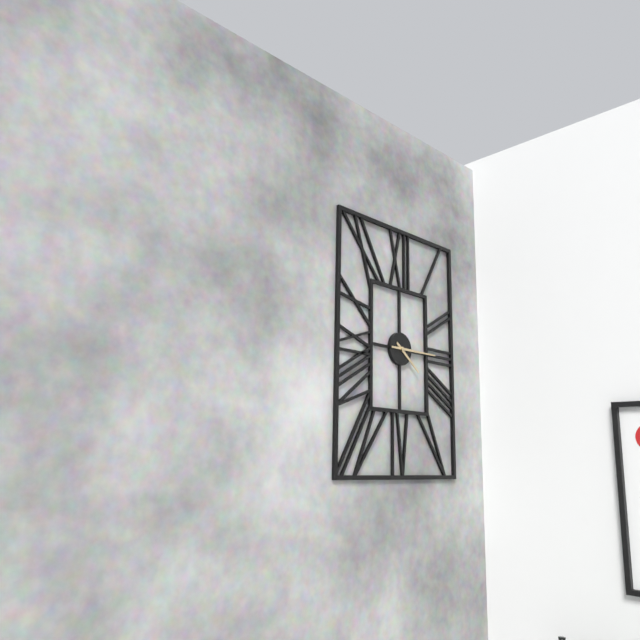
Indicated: **4:15**
